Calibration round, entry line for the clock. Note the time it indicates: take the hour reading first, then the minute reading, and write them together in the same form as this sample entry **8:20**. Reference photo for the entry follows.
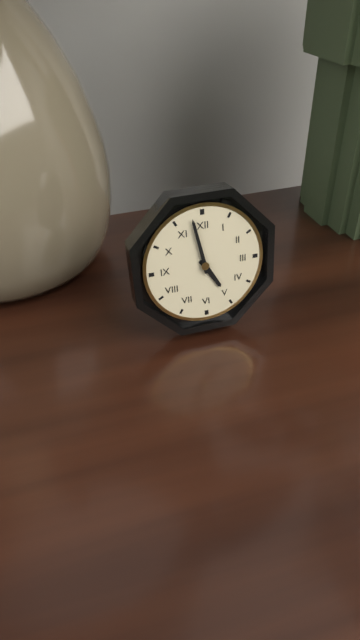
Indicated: **4:58**
